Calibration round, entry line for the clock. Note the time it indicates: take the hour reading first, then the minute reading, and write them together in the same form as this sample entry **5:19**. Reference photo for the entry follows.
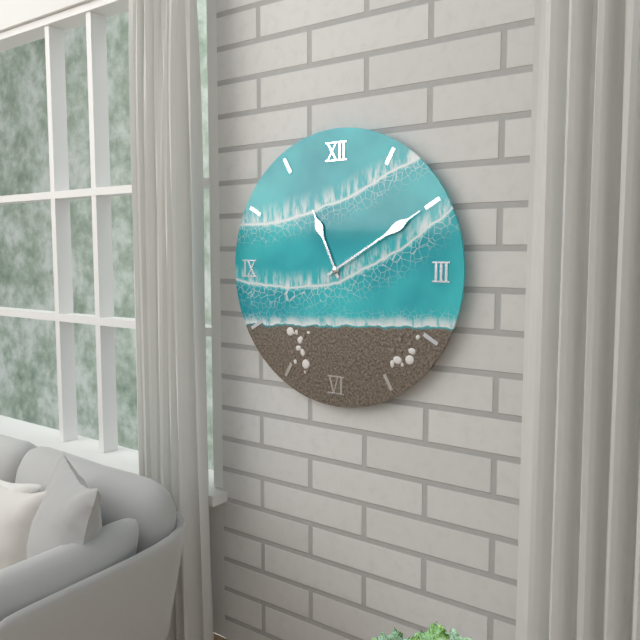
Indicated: **11:10**
